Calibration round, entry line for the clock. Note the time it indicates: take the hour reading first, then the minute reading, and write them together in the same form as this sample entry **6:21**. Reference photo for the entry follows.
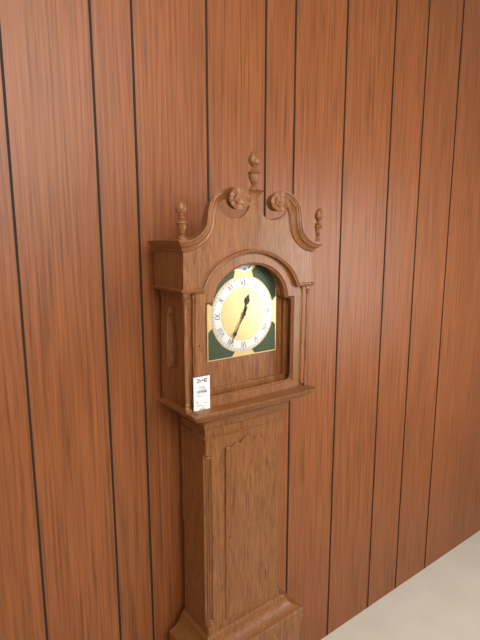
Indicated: **12:35**
